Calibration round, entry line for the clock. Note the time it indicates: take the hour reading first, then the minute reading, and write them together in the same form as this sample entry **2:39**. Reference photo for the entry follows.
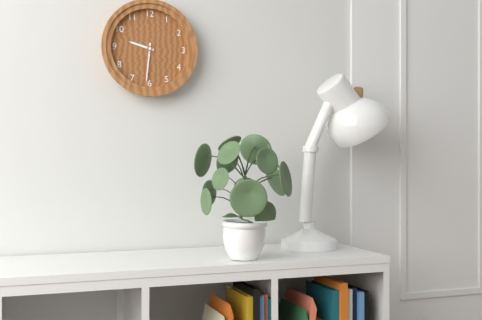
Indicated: **9:31**
